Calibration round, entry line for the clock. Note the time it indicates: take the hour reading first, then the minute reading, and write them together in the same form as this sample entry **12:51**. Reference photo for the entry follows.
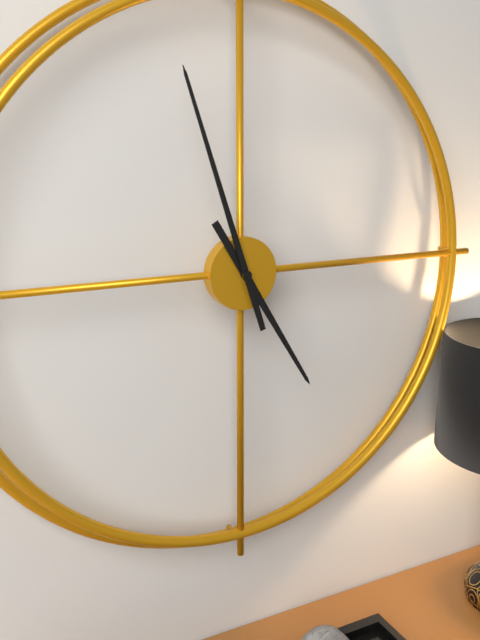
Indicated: **4:57**
